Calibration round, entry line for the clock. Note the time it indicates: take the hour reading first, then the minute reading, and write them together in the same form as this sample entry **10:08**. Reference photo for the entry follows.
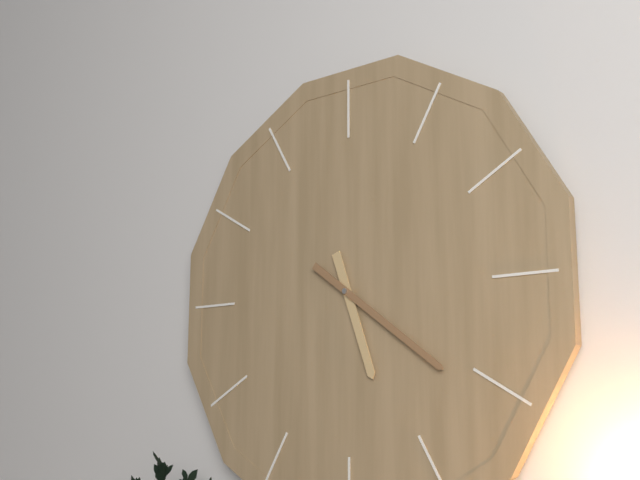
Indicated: **5:21**
